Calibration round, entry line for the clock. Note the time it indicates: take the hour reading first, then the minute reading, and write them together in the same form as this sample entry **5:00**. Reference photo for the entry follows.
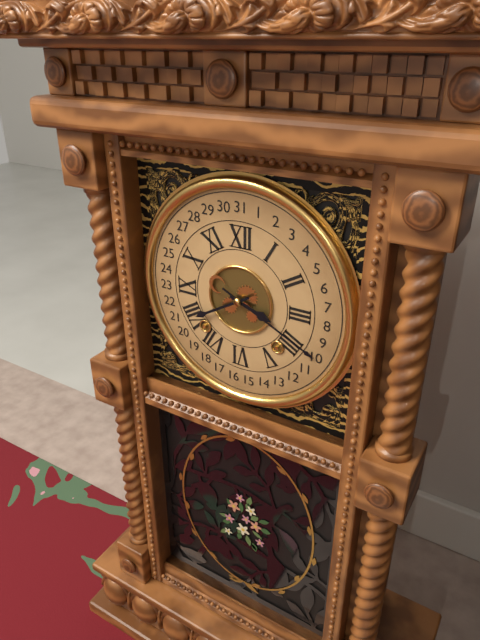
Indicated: **3:40**
